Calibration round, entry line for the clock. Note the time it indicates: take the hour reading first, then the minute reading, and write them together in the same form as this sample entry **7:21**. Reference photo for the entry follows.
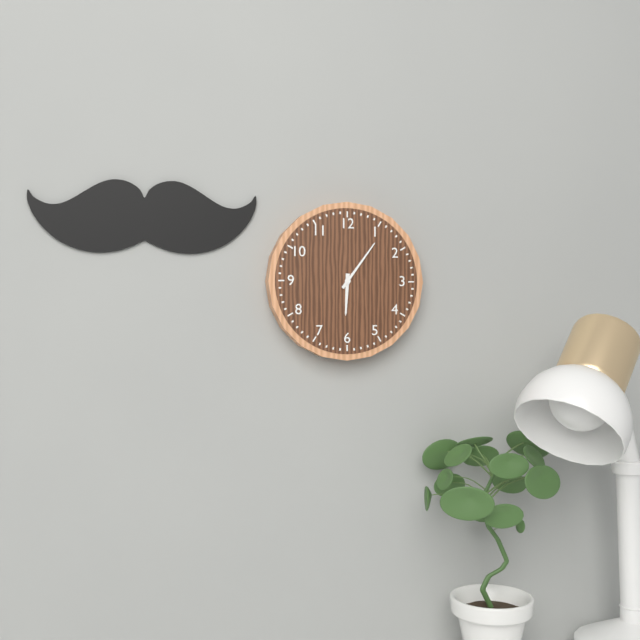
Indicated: **6:06**
